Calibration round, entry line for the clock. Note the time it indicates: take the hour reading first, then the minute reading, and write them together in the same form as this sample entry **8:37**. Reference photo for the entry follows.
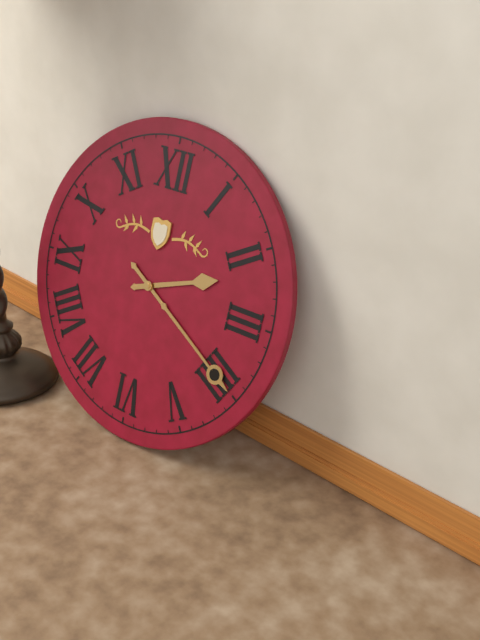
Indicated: **2:20**
